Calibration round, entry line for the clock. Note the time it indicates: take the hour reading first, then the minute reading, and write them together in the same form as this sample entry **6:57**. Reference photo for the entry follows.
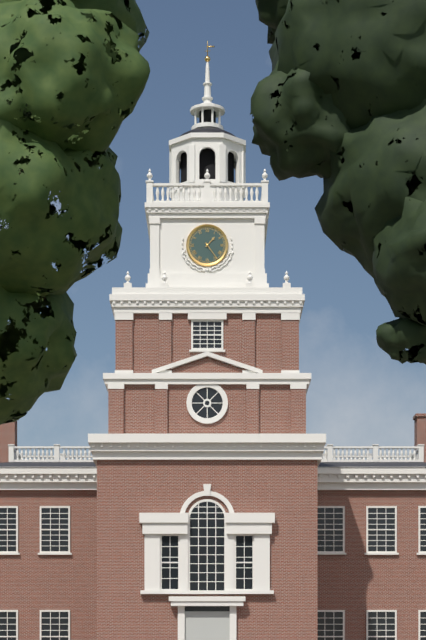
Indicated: **1:24**
